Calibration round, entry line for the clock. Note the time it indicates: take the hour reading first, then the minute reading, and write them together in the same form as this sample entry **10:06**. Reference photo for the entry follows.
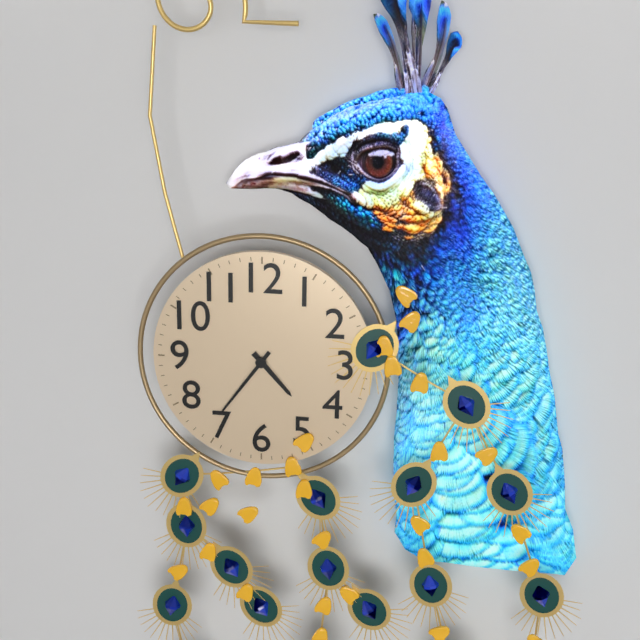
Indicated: **4:36**
